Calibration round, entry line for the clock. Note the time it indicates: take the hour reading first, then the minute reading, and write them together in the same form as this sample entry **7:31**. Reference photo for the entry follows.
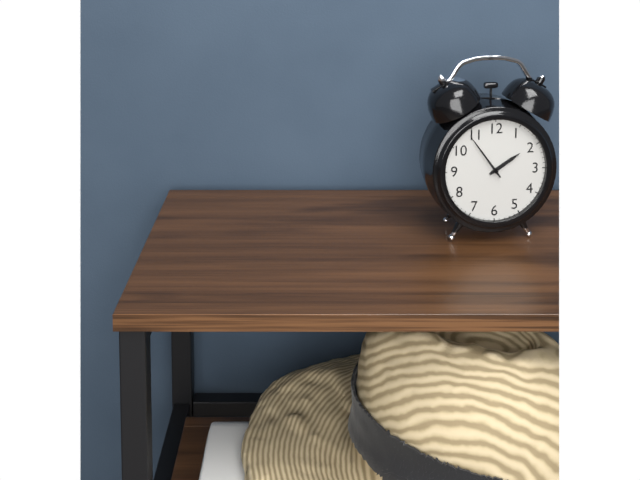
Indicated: **1:54**
